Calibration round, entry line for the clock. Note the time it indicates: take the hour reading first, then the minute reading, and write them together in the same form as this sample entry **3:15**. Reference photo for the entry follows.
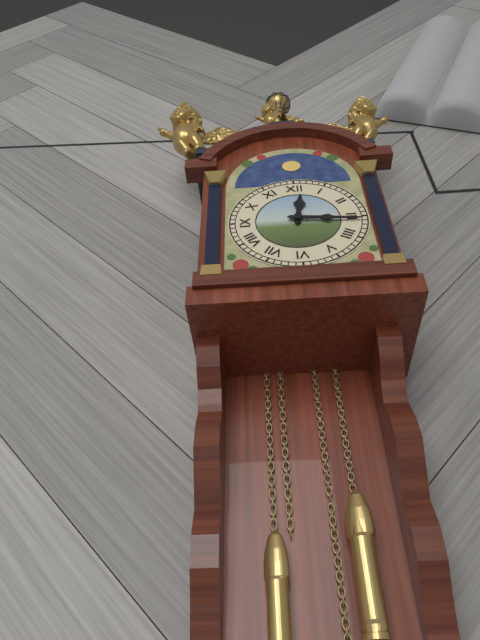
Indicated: **12:16**
